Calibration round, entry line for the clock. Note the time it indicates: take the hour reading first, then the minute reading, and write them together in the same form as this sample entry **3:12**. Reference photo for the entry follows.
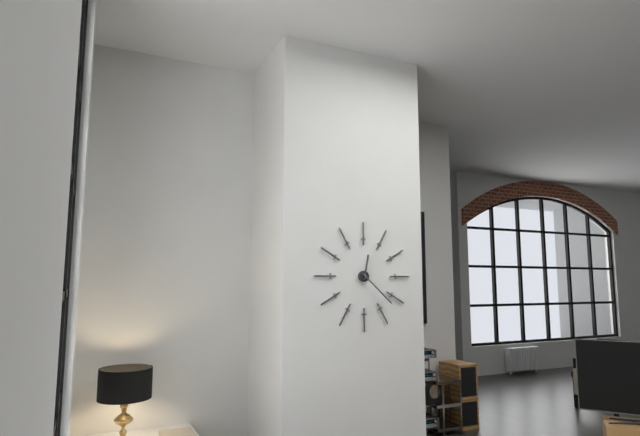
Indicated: **12:22**
